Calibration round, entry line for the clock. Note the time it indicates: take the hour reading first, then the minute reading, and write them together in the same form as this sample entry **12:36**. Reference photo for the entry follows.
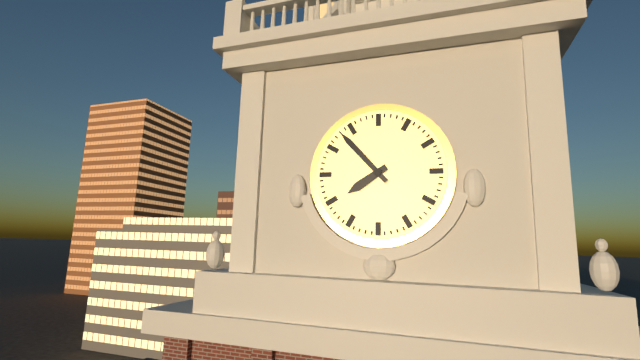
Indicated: **7:53**
